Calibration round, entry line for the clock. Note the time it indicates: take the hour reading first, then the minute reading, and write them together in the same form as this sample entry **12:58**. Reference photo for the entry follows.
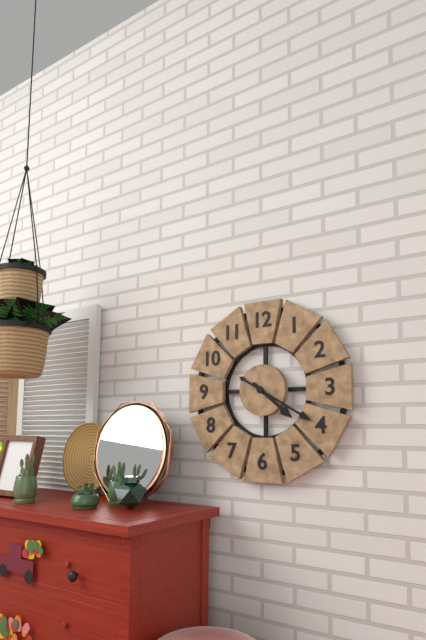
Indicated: **4:20**
